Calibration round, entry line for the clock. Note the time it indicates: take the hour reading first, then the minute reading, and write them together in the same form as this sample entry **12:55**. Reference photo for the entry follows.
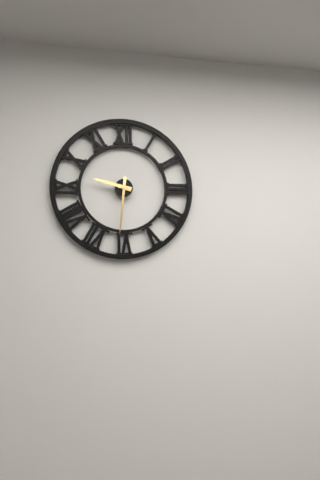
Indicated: **9:31**
